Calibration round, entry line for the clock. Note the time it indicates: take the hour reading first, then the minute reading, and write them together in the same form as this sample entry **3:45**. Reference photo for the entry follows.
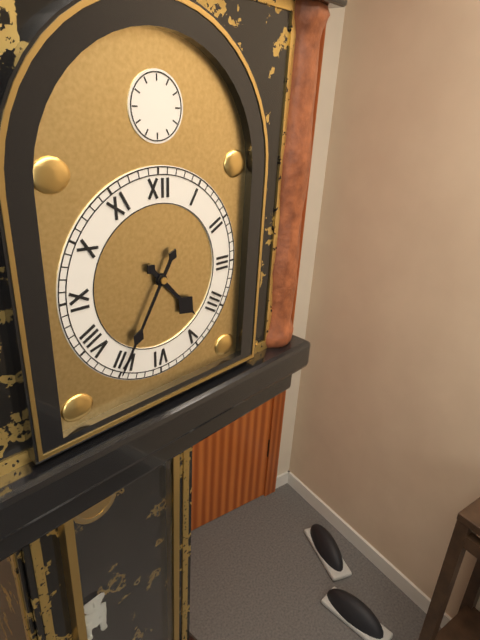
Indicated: **4:35**
